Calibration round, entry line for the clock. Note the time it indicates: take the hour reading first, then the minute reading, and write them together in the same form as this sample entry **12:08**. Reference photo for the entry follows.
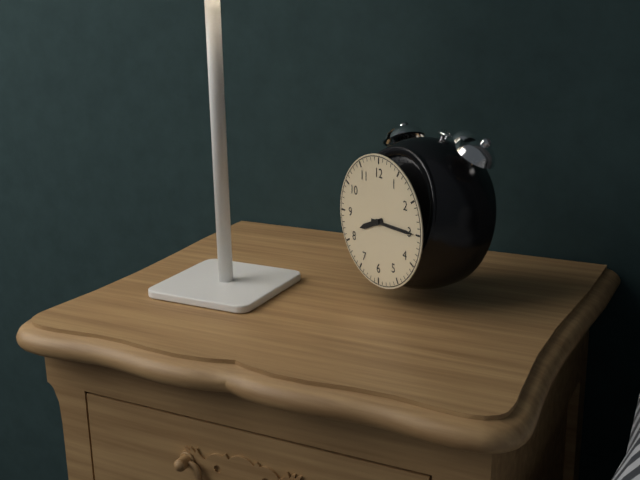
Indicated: **8:15**
